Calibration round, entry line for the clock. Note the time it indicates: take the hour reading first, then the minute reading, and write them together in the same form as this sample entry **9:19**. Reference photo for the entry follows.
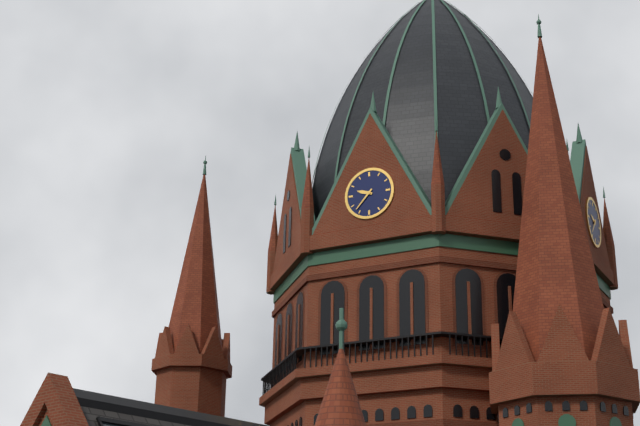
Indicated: **9:37**
